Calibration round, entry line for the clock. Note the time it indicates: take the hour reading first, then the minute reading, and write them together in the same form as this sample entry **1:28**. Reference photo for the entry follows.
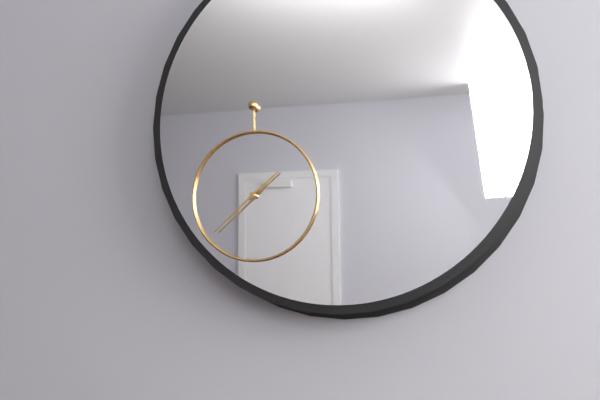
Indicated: **1:38**
